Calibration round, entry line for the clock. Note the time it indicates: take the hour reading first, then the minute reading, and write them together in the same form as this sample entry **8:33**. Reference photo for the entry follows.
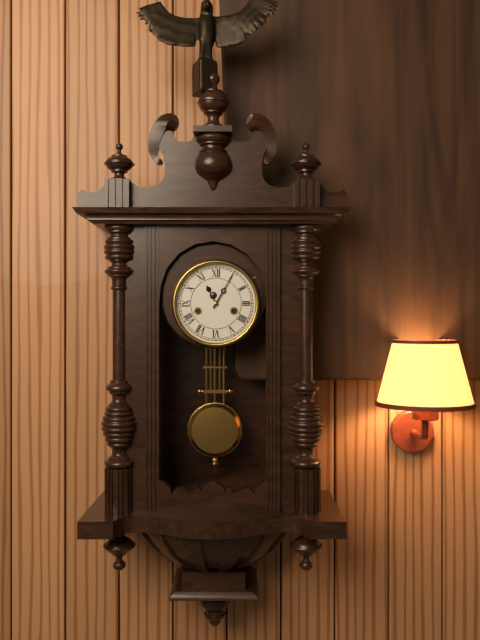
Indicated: **11:05**
